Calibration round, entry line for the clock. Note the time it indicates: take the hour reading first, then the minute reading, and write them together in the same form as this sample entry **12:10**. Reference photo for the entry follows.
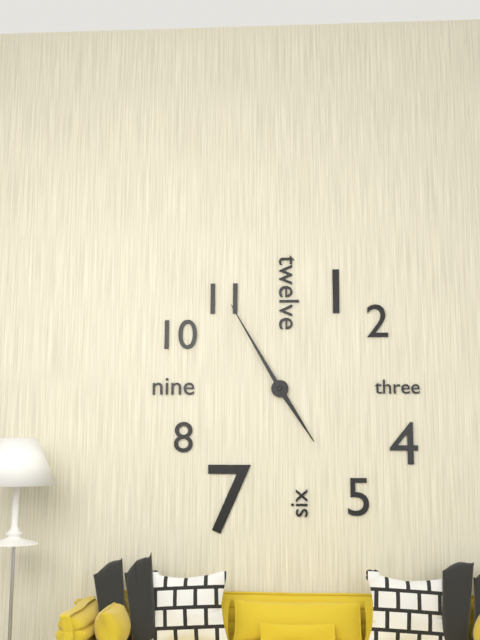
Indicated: **4:55**
